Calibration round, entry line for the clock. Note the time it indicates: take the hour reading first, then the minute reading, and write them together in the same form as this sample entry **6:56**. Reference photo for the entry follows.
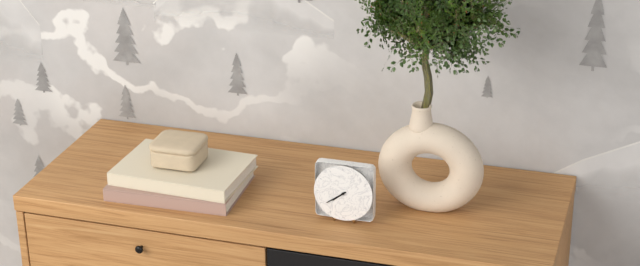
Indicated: **7:39**
